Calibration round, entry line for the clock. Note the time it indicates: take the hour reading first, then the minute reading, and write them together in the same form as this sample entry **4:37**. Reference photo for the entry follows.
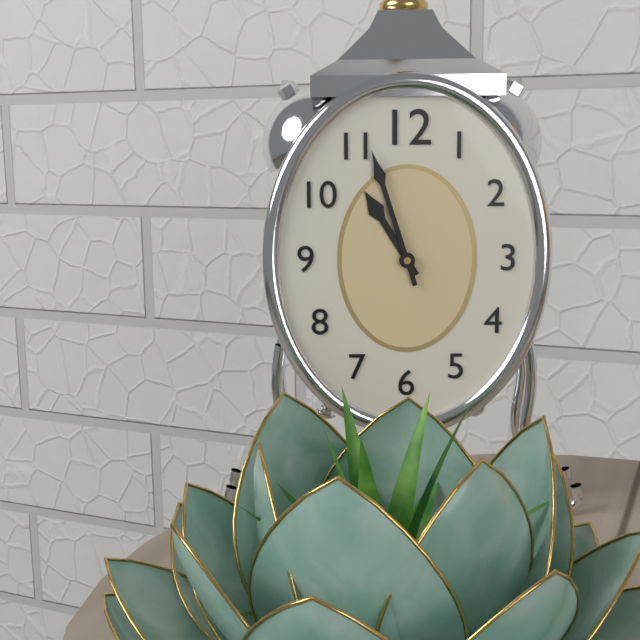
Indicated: **10:57**
